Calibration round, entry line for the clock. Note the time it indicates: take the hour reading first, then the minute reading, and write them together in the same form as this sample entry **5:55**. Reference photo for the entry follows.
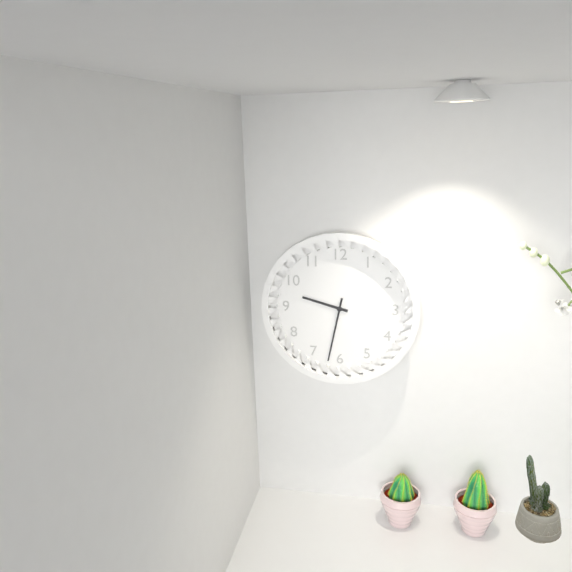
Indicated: **9:32**
